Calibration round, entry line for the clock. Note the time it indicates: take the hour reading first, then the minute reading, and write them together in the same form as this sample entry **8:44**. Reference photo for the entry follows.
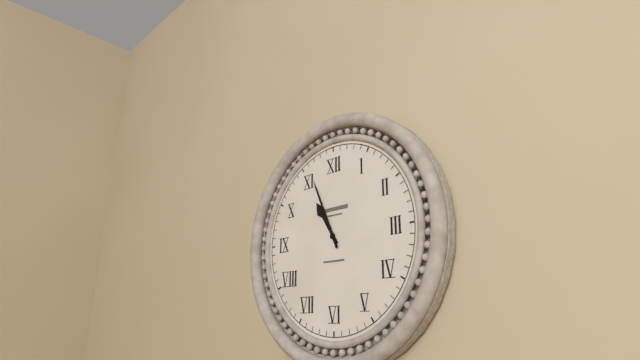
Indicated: **10:56**
